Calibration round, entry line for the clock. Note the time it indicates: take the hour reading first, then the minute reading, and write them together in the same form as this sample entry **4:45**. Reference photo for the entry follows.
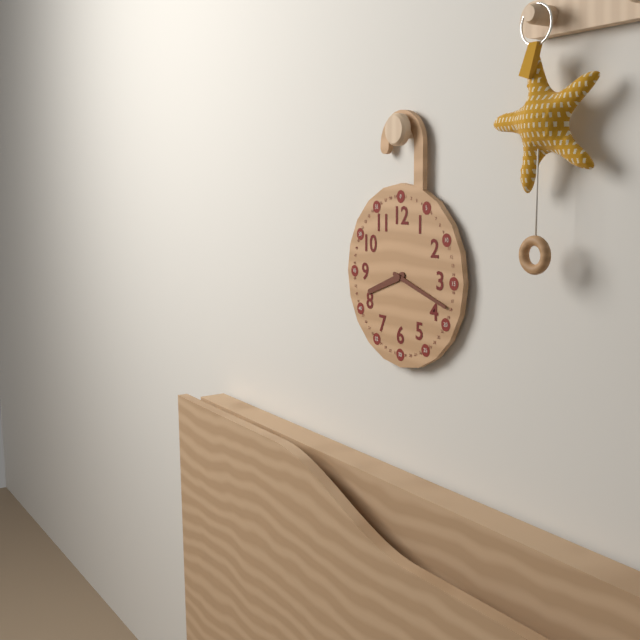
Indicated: **8:18**
